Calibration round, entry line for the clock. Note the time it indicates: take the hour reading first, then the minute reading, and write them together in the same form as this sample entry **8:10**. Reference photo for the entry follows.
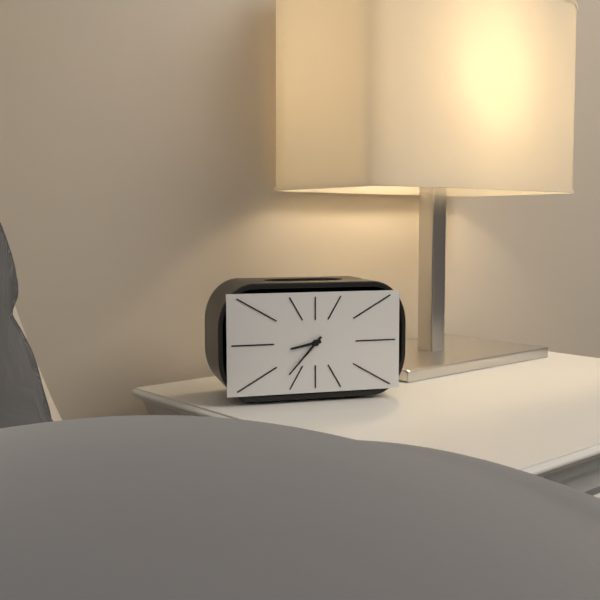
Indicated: **8:37**
